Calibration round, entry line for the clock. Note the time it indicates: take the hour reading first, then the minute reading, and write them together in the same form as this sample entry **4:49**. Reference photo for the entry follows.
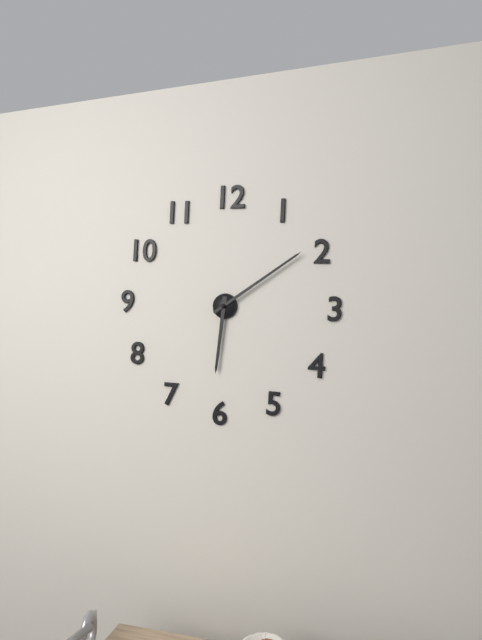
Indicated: **6:09**
